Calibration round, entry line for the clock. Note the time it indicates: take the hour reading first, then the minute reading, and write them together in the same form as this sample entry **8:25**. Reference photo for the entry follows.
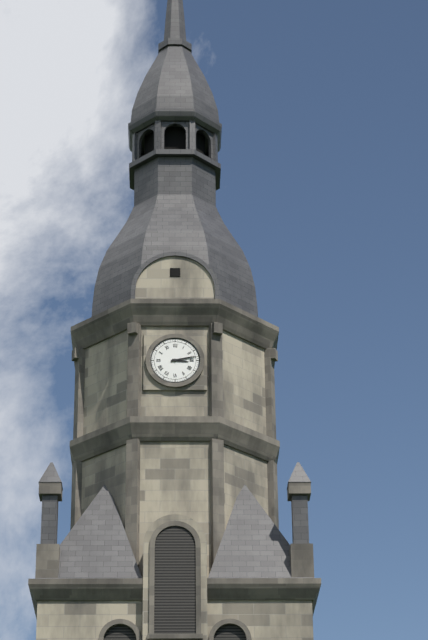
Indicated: **3:13**
